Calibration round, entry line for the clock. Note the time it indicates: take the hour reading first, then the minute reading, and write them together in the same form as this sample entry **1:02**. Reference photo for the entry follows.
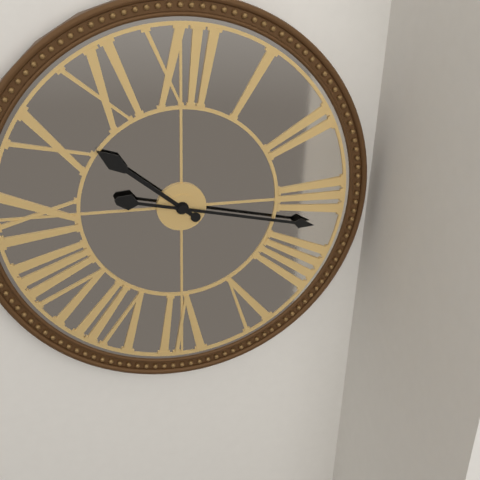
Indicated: **10:17**
